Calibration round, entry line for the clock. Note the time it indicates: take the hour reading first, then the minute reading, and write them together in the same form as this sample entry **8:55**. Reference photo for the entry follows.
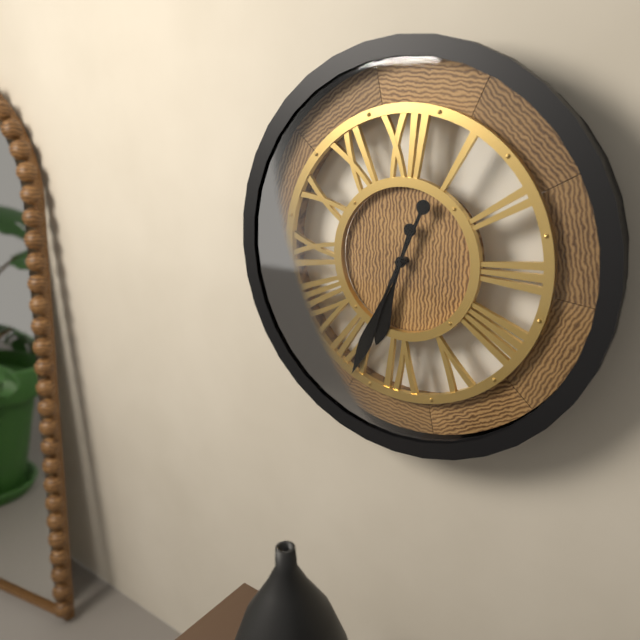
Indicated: **6:34**
